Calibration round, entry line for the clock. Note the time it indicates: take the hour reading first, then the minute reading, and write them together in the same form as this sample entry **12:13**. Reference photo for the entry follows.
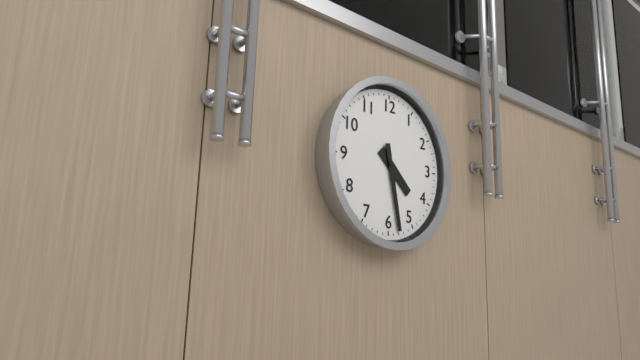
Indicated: **4:28**
